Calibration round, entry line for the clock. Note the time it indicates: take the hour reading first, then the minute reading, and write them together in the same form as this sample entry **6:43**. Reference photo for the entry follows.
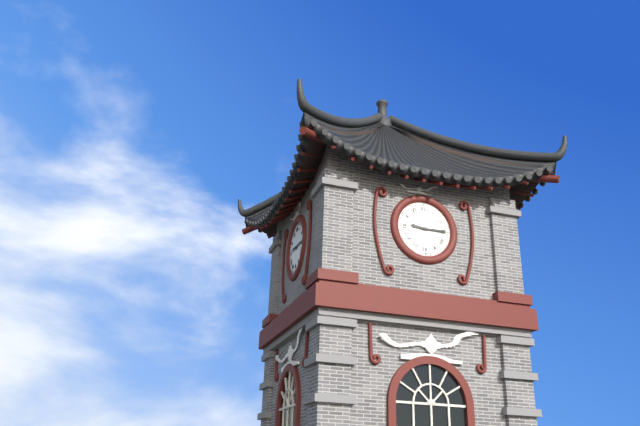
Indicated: **9:15**
